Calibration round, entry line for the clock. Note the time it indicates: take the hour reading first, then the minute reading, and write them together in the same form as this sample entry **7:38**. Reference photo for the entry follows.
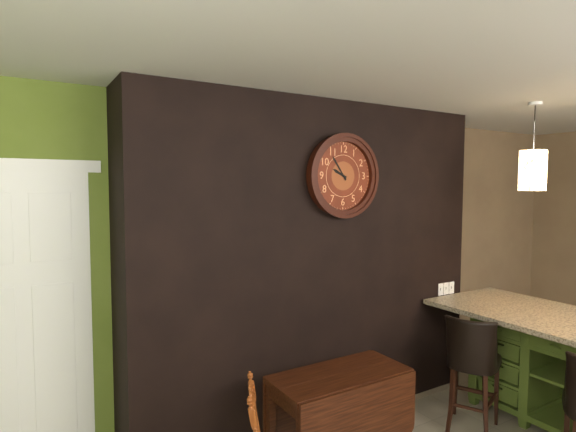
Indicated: **9:54**
